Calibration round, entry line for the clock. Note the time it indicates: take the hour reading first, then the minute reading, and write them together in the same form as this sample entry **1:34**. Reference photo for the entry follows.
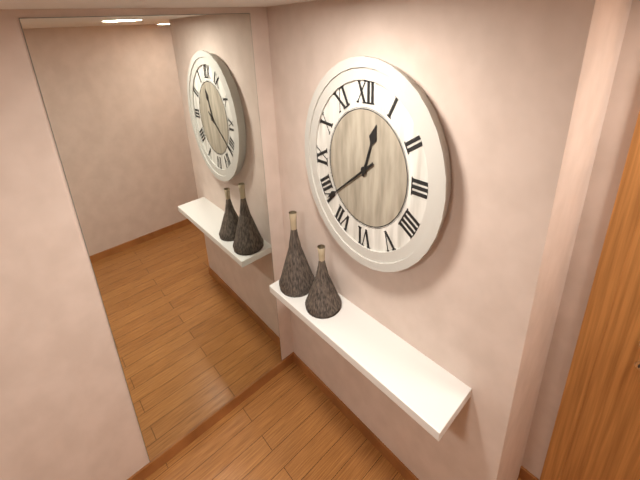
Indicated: **12:39**
